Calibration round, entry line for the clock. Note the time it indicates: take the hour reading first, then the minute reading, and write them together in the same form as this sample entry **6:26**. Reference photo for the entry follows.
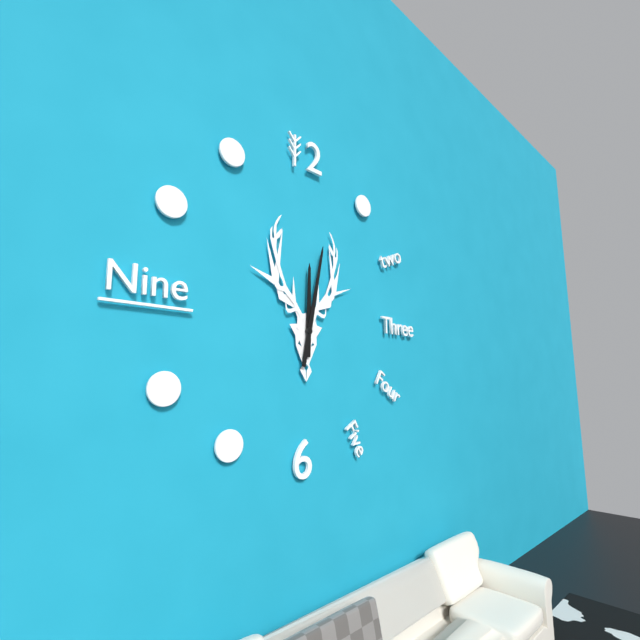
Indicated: **12:02**
